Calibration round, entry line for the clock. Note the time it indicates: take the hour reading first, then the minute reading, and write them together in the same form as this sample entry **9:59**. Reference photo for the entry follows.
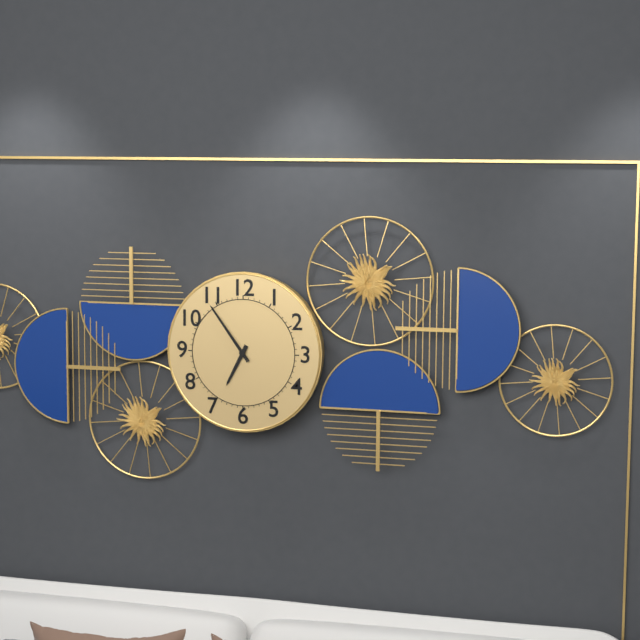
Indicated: **6:54**
